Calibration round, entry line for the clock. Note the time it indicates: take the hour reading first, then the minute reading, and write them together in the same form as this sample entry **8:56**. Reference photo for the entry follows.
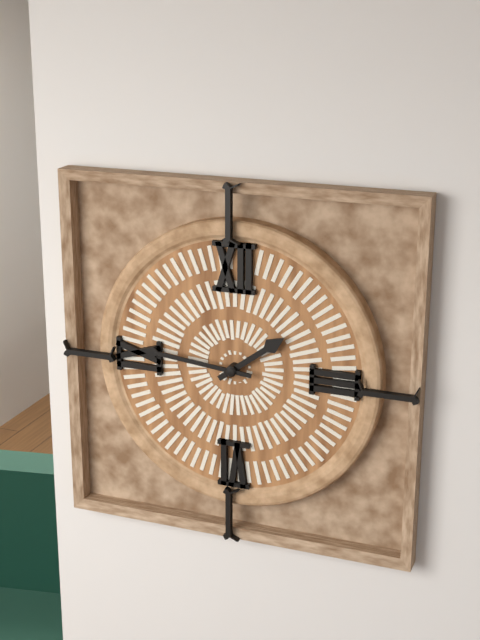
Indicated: **1:46**
